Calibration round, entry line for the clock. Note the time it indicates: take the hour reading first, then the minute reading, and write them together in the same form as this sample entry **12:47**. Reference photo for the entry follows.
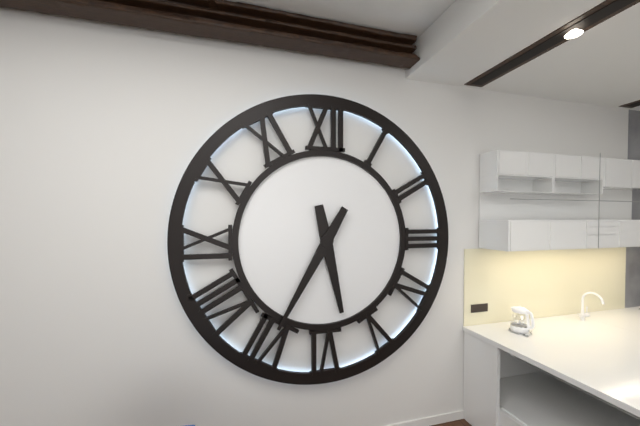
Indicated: **5:35**
